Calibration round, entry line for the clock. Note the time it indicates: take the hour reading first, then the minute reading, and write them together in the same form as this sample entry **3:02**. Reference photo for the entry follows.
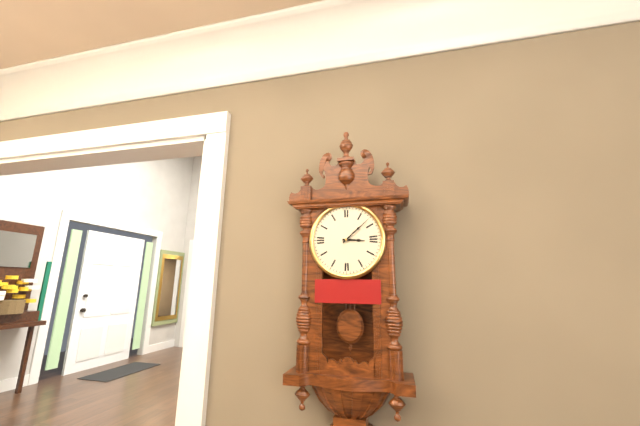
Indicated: **3:08**
